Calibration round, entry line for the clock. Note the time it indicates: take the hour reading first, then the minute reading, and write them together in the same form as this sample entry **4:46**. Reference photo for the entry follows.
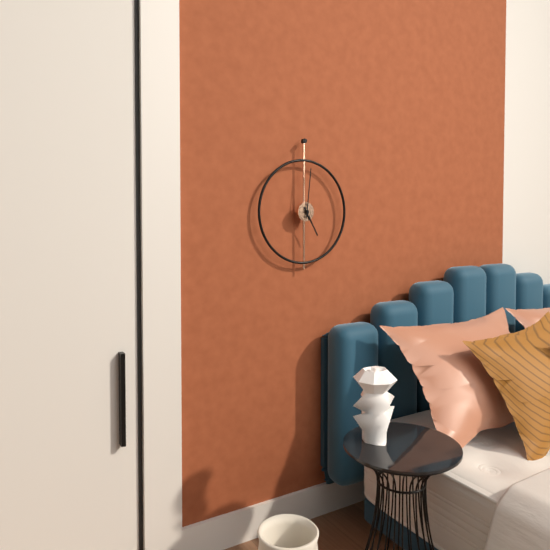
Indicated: **5:01**
